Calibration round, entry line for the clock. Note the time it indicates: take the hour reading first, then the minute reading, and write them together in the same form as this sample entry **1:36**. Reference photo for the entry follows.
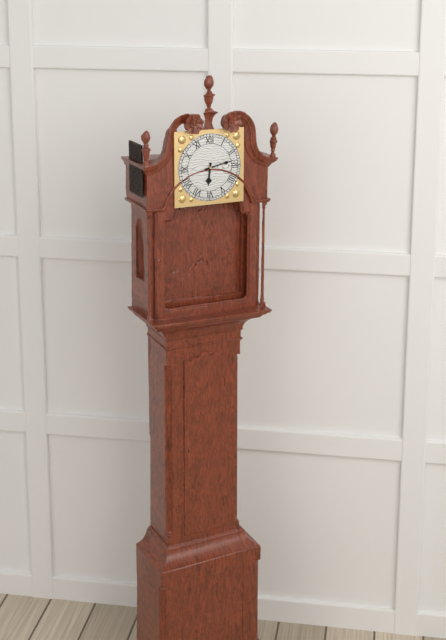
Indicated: **6:13**
